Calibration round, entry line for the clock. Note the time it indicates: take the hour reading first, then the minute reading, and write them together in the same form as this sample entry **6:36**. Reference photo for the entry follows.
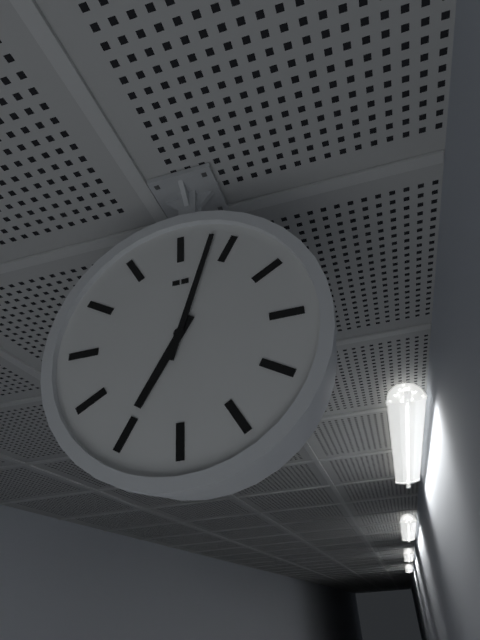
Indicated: **7:03**
